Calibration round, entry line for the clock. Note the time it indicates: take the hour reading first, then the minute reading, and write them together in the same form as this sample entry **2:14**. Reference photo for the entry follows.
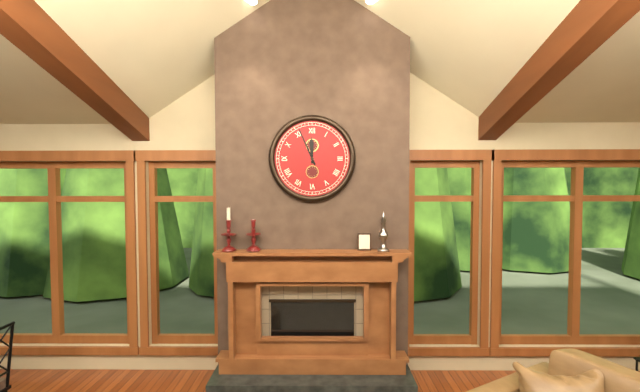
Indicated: **11:56**
